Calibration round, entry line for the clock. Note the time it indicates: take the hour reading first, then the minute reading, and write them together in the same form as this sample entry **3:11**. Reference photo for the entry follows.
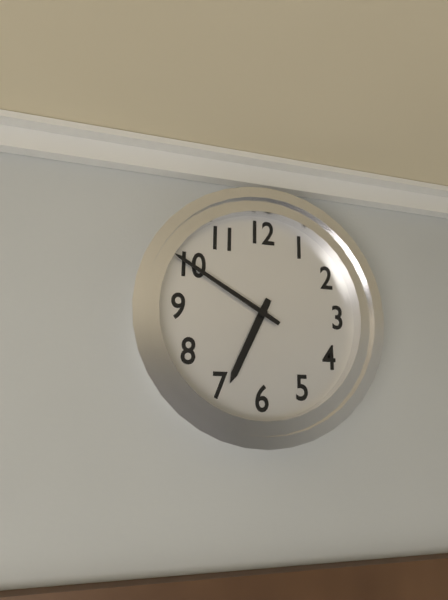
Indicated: **6:50**
